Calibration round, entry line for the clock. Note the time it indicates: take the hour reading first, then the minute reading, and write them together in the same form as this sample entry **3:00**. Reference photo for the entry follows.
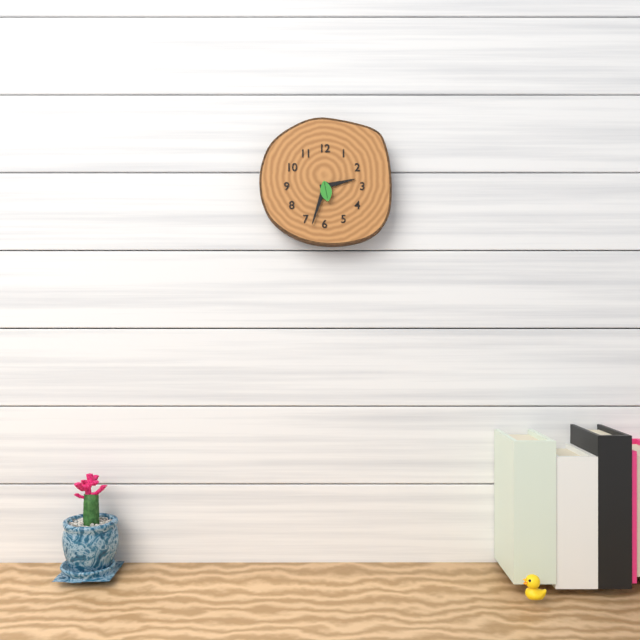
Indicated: **2:33**
